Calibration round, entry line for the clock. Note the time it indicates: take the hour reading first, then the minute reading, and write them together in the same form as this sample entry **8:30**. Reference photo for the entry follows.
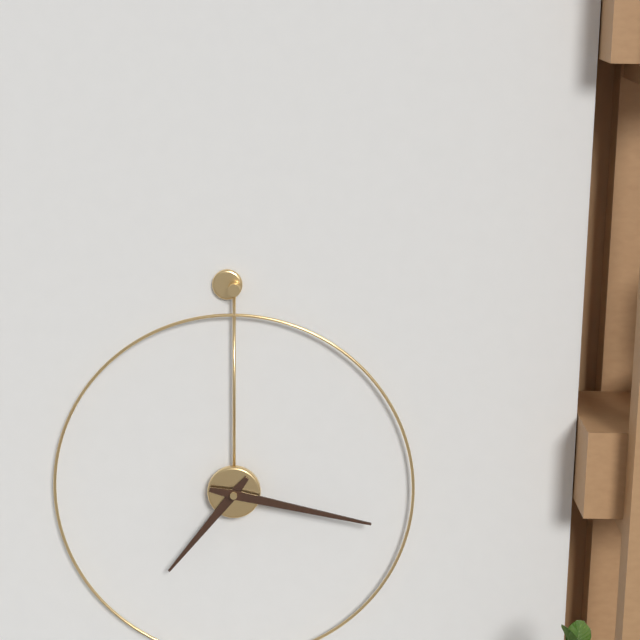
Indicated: **7:17**
